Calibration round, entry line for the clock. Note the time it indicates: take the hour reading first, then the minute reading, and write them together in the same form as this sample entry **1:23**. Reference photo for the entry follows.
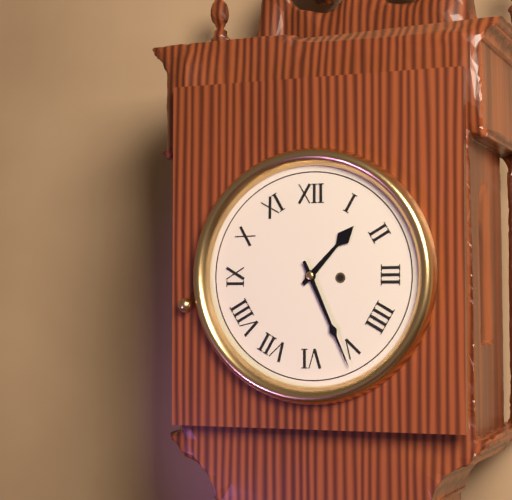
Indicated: **1:26**
